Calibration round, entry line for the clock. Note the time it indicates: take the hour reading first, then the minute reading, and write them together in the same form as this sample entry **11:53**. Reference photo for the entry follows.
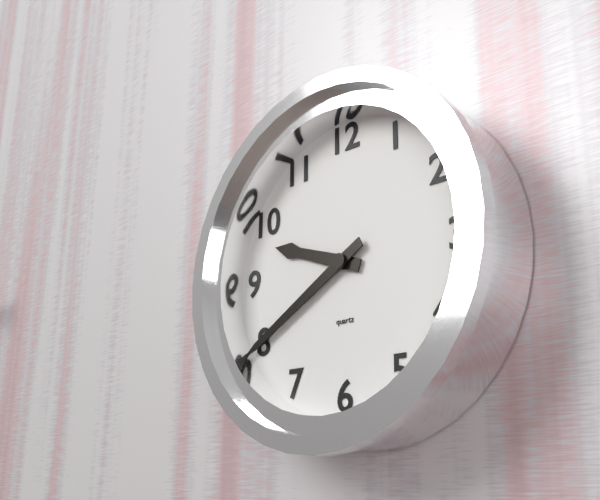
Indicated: **9:40**
